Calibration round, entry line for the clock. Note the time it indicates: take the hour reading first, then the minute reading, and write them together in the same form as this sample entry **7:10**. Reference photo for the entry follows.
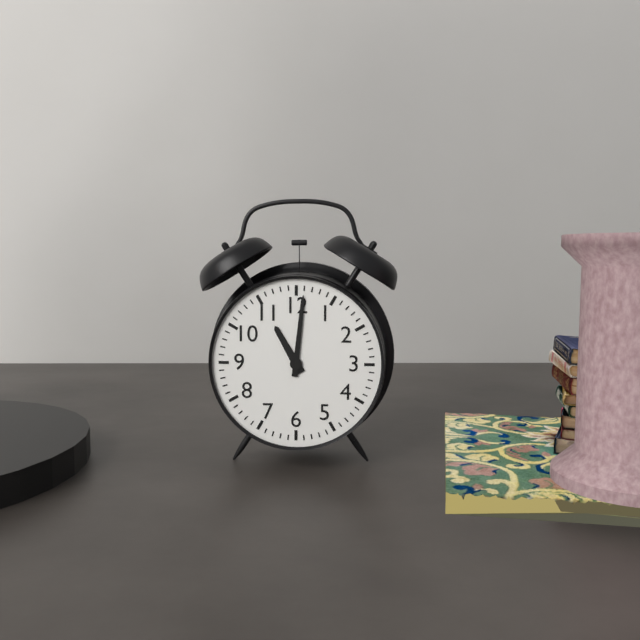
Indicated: **11:01**
